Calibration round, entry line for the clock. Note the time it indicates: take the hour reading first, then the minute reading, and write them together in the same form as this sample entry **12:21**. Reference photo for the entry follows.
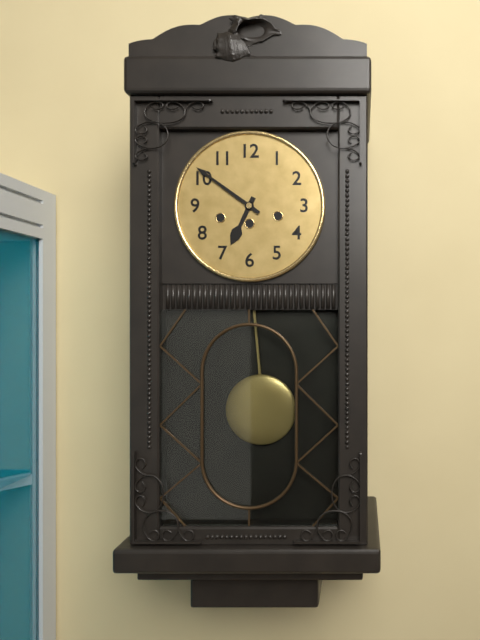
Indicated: **6:51**
